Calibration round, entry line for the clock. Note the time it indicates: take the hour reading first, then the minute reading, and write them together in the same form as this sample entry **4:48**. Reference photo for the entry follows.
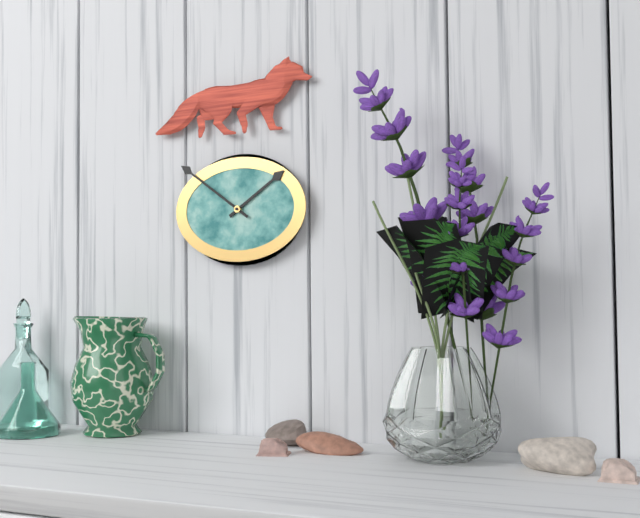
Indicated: **1:51**
